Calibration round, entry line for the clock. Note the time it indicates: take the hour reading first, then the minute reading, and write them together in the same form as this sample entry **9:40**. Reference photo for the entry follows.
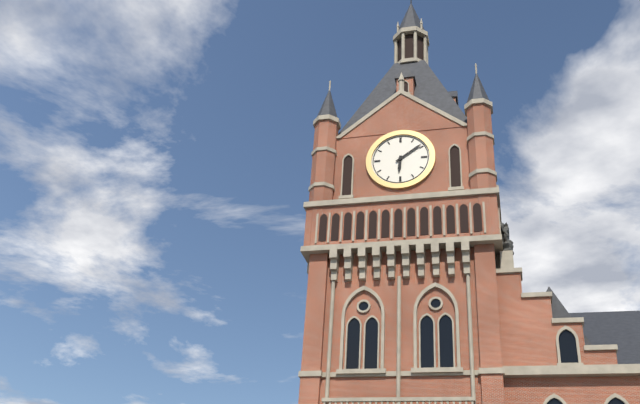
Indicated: **6:09**
